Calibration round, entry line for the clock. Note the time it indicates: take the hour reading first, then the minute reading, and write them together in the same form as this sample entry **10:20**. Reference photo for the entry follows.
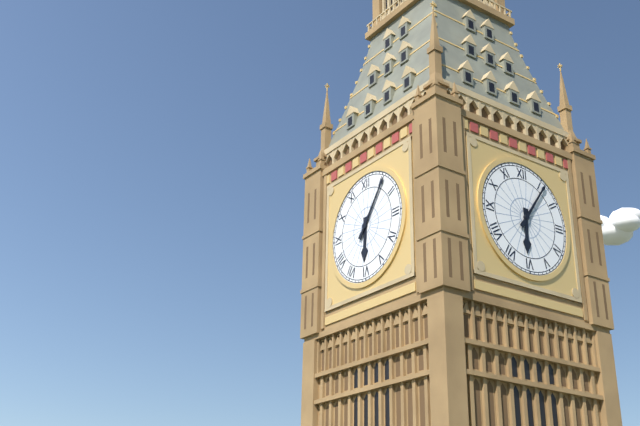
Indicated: **6:06**
